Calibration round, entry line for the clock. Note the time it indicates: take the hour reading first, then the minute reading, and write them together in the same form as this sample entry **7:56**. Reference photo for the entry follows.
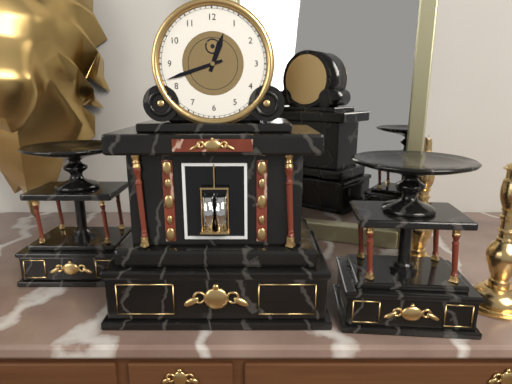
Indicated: **12:42**
